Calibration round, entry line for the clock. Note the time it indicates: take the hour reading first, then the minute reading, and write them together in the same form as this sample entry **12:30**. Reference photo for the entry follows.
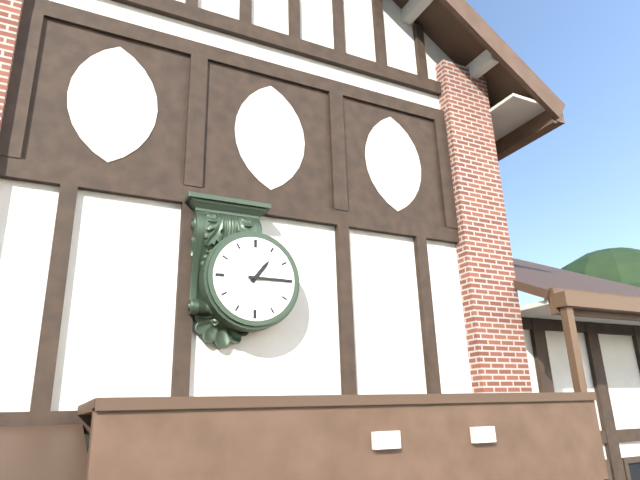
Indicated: **1:15**
